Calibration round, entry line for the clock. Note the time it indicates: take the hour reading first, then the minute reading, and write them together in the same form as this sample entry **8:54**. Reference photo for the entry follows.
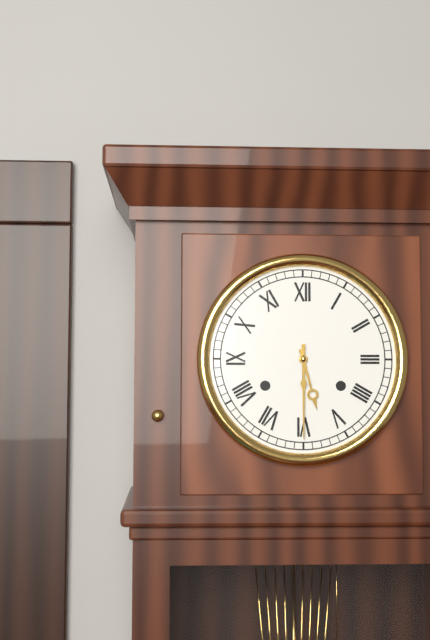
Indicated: **5:30**
